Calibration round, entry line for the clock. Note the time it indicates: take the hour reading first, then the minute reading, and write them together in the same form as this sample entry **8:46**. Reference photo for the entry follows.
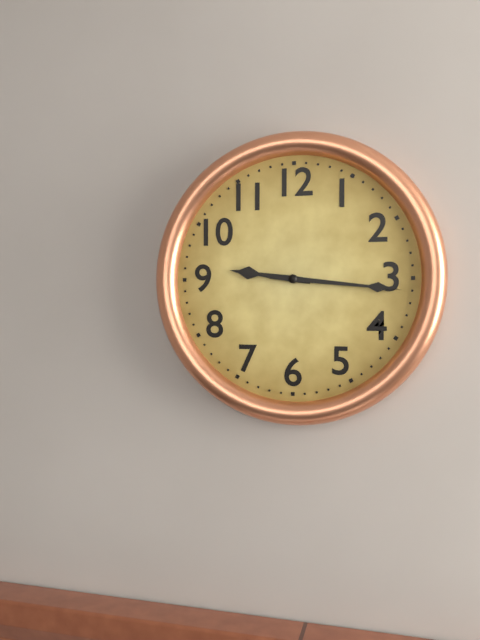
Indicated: **9:16**
